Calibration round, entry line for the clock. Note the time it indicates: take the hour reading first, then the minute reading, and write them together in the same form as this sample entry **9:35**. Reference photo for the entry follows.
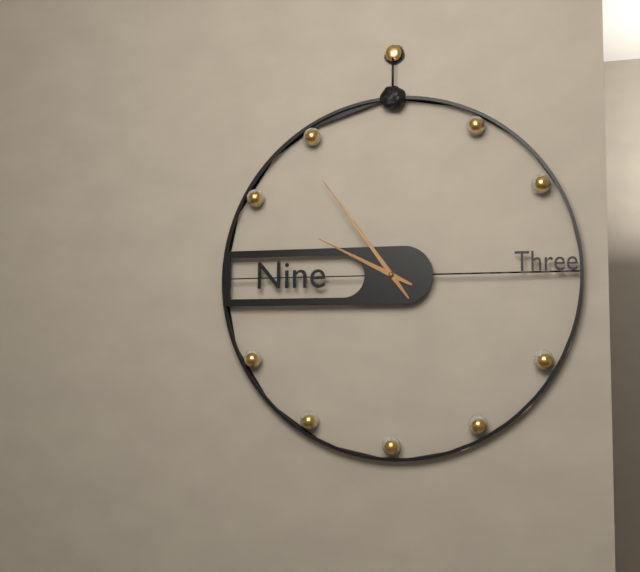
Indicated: **9:54**
